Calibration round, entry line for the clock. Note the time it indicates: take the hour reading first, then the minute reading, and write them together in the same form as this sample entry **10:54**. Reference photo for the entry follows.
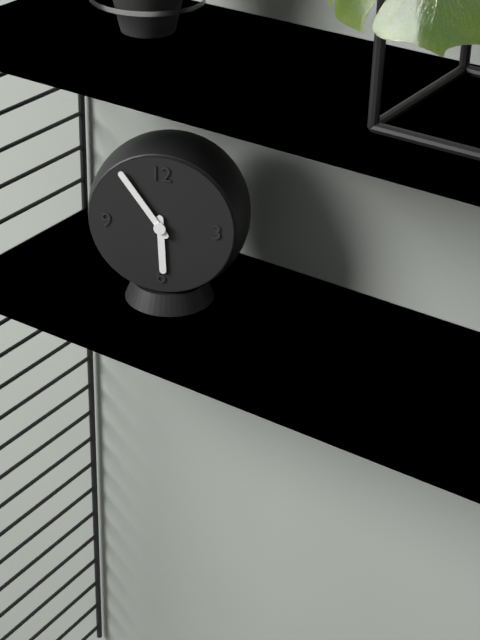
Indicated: **5:54**
